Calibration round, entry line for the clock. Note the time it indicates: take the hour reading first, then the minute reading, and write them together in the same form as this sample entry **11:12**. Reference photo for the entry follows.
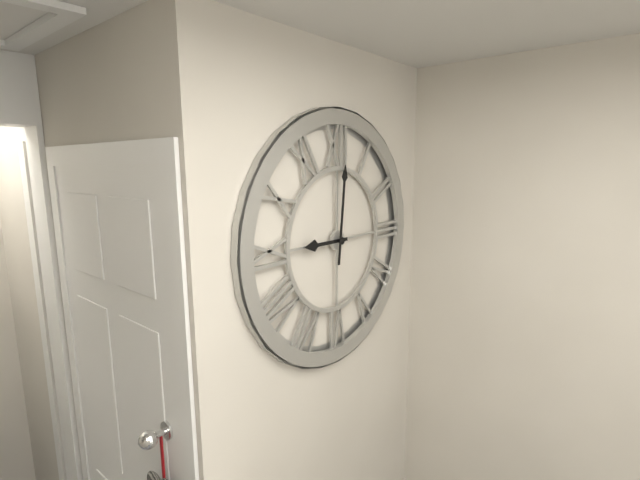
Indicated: **9:01**
